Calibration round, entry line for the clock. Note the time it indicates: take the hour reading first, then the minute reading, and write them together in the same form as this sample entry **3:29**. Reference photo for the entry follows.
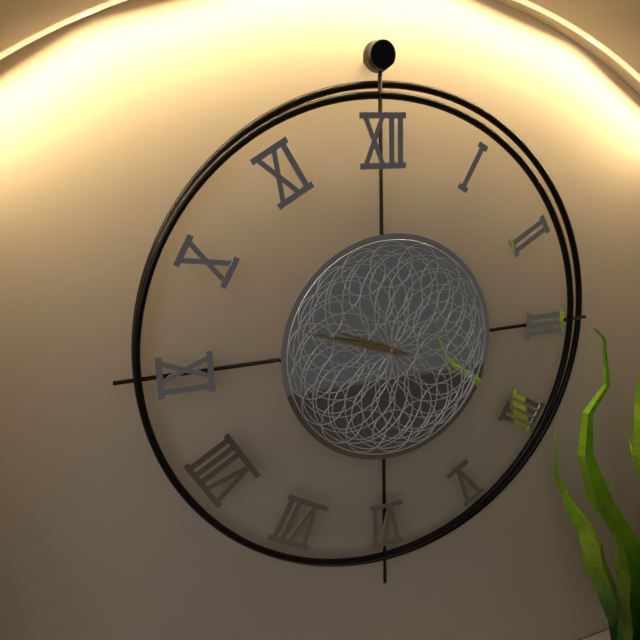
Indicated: **9:48**
